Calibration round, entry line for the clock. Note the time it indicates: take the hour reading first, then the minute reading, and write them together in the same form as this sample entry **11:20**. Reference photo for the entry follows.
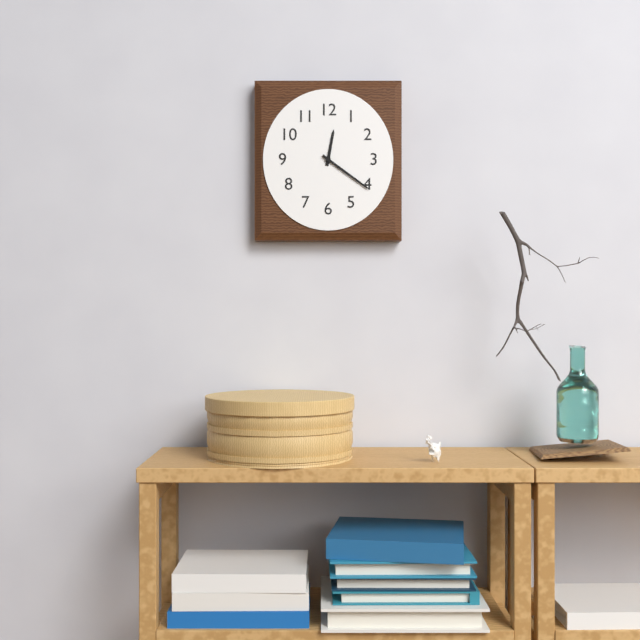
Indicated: **12:21**
